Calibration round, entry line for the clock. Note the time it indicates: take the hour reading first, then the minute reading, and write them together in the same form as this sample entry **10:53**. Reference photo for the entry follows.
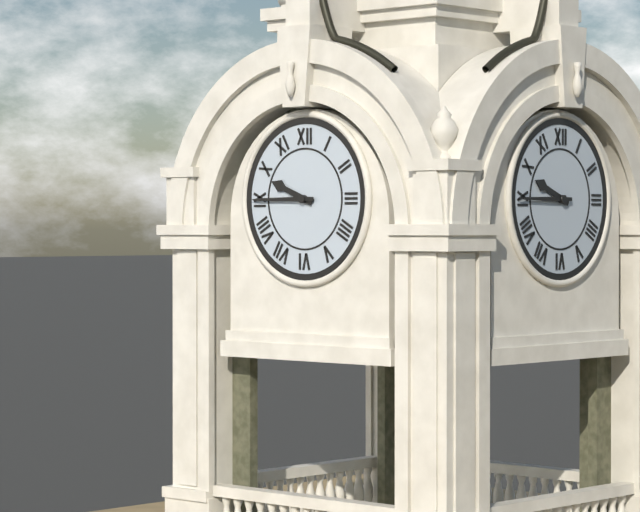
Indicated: **9:45**
